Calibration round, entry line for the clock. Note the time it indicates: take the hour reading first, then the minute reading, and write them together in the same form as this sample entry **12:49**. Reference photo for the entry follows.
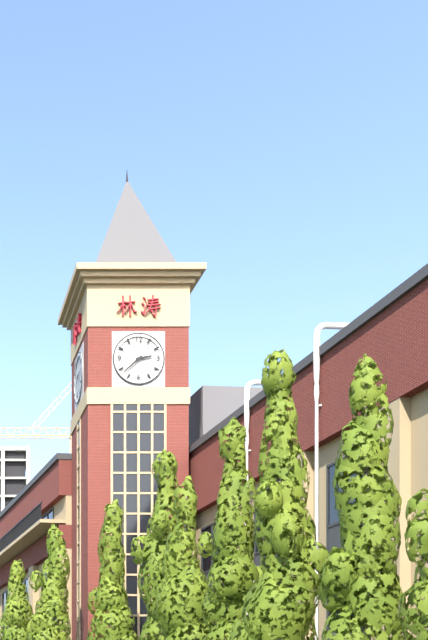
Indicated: **2:38**
